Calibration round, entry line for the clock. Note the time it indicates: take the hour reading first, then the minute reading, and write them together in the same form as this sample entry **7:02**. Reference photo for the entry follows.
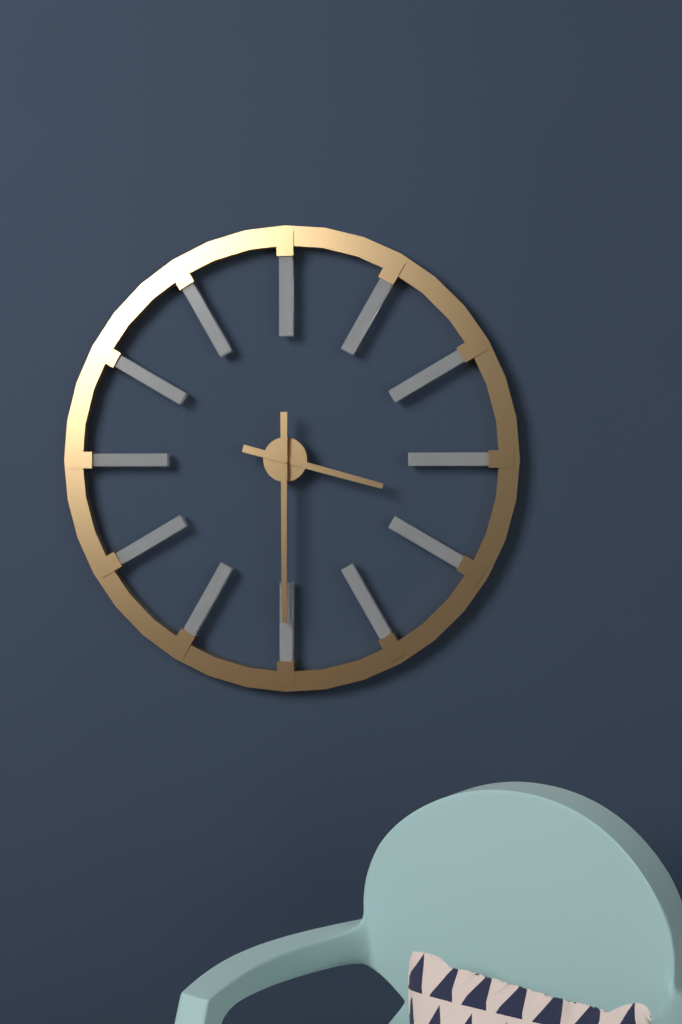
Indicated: **3:30**
